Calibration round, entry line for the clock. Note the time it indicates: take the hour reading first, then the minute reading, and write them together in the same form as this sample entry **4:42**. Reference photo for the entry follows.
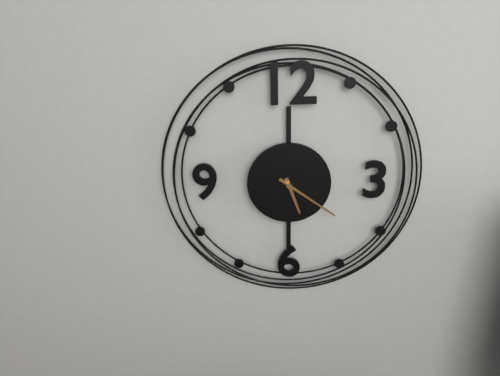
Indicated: **5:21**
